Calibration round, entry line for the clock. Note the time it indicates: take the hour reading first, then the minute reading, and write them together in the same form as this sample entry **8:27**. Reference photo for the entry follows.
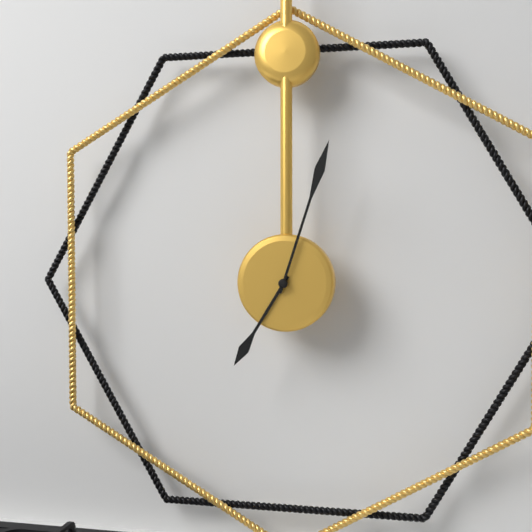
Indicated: **7:03**
